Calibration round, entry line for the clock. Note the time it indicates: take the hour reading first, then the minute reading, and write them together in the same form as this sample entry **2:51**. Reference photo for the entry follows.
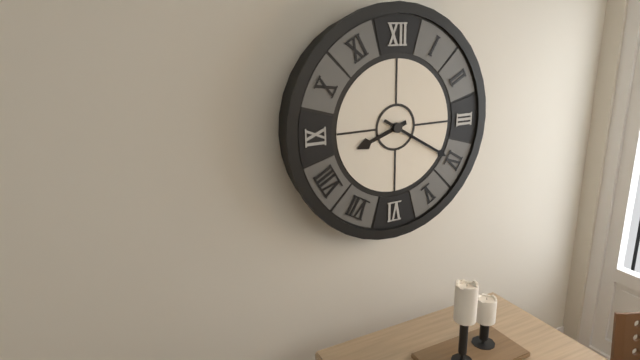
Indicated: **8:20**
